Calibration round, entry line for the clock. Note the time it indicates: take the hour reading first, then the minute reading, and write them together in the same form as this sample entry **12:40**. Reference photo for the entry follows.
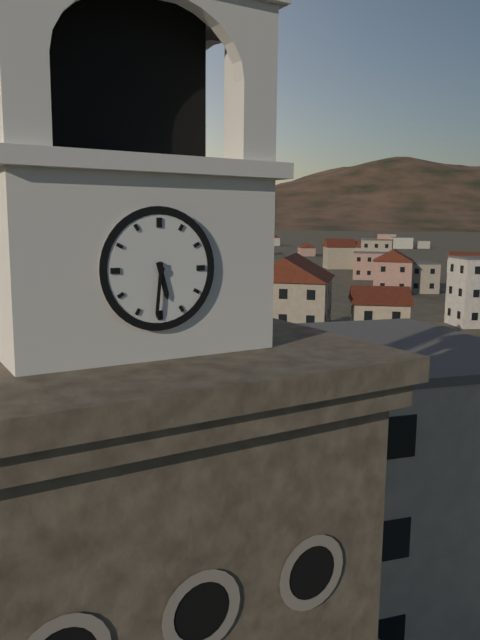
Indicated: **5:31**
